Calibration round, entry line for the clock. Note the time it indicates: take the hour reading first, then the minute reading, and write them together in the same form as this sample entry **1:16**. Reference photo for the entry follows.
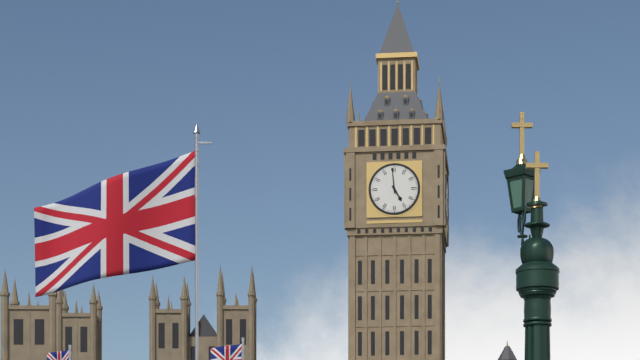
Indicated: **4:59**
